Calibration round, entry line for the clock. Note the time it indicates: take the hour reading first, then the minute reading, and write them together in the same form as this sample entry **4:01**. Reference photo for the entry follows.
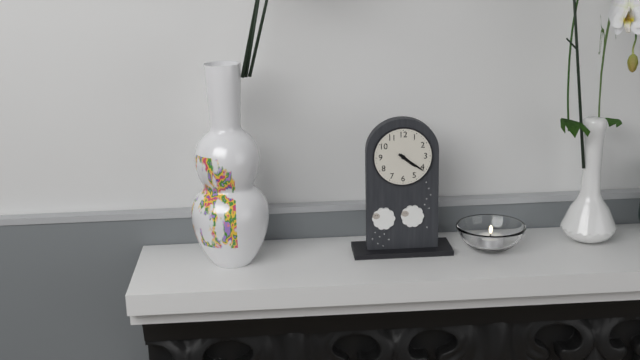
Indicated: **4:21**
